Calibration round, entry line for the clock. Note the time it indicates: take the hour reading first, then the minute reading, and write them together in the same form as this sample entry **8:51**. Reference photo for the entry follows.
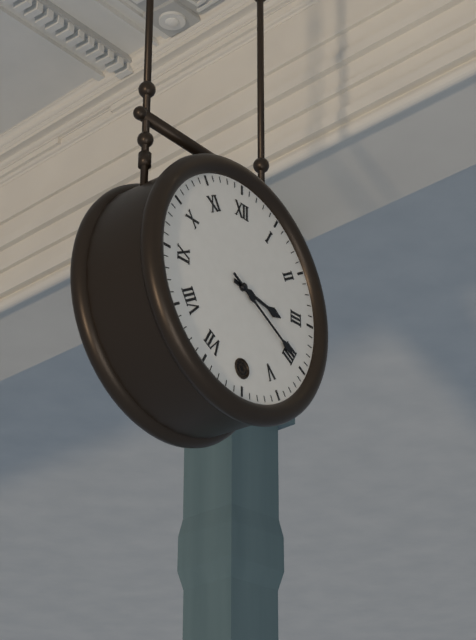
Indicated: **3:20**
